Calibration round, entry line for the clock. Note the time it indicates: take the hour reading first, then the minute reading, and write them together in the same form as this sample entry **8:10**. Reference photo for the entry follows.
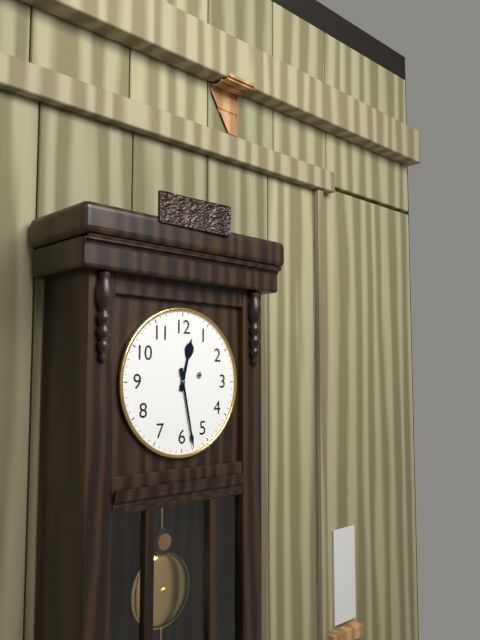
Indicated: **12:28**
